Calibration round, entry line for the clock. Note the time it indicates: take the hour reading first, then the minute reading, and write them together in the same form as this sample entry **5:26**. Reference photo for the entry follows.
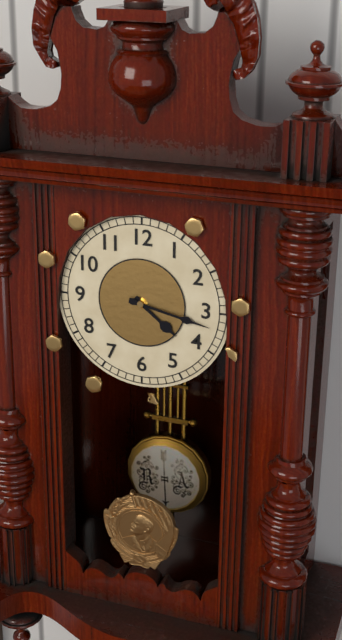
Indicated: **4:17**
